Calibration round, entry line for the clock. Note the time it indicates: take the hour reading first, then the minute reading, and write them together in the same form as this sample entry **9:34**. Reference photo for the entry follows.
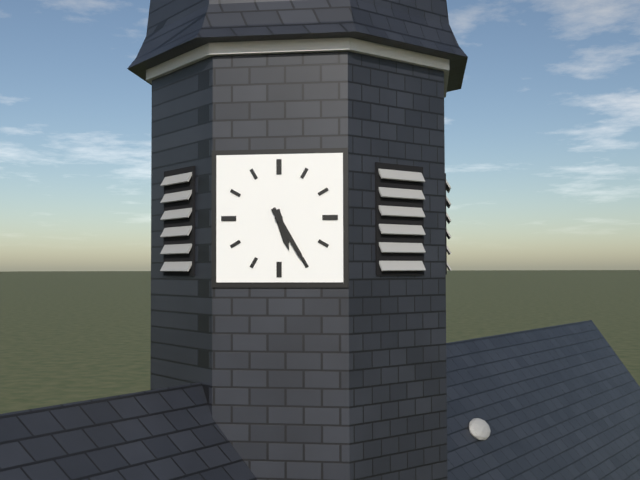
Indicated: **5:25**
